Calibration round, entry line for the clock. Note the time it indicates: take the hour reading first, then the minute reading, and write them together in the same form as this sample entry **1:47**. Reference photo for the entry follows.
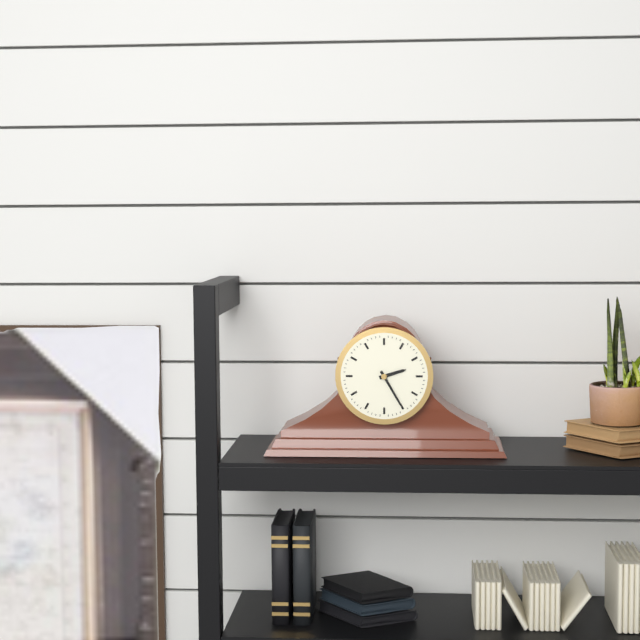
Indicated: **2:25**
